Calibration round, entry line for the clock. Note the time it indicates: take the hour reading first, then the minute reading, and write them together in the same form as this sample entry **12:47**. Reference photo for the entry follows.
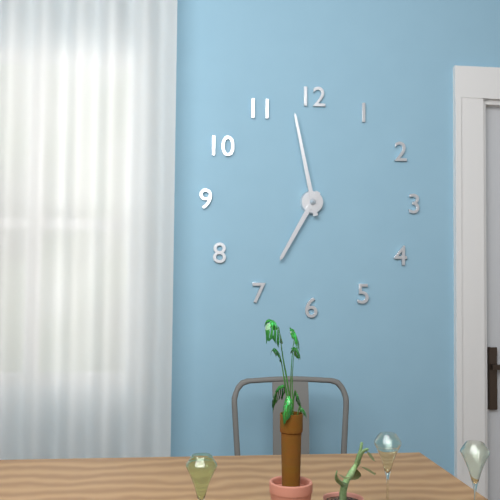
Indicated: **6:58**
